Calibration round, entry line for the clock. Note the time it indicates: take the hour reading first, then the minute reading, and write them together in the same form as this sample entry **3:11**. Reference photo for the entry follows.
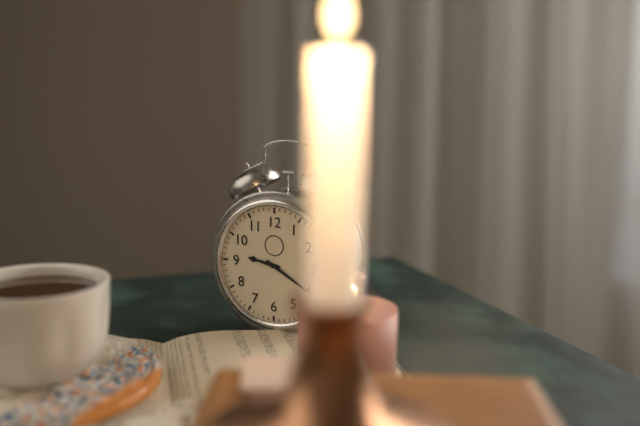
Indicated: **9:20**
